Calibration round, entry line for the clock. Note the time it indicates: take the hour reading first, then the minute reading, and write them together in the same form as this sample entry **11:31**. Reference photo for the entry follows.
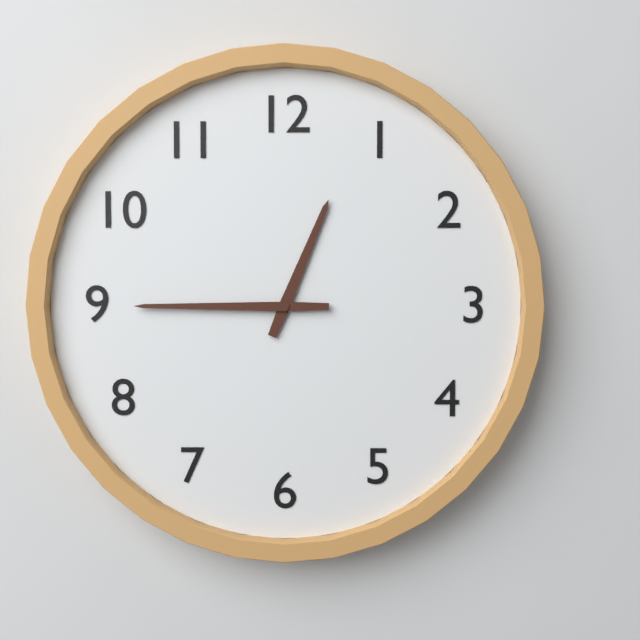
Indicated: **12:45**
